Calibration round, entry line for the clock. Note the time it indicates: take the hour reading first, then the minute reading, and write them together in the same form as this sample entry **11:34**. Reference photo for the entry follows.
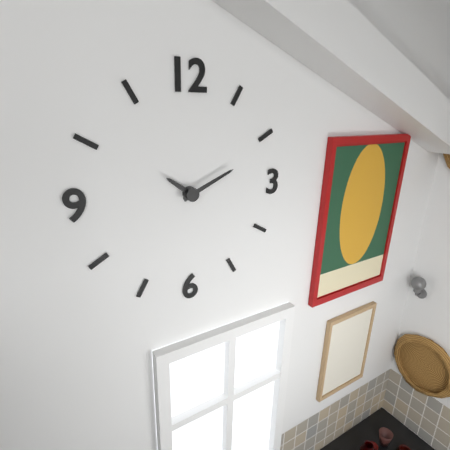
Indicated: **10:11**
